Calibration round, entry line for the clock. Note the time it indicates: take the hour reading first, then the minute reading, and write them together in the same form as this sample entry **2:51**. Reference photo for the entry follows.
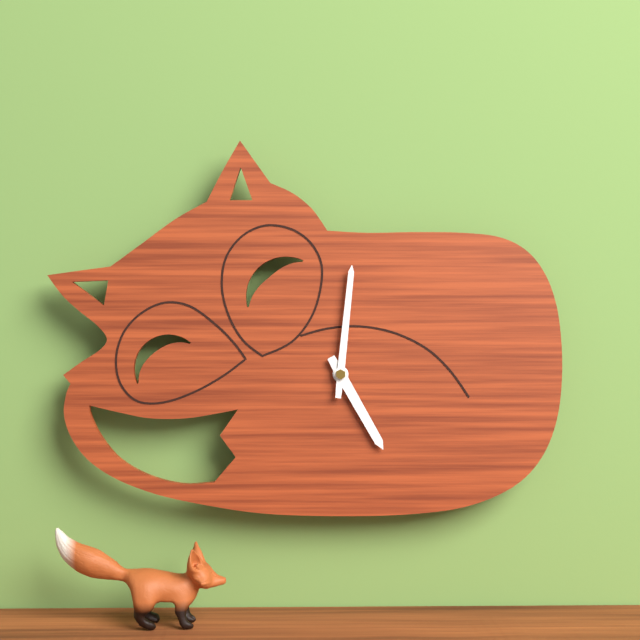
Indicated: **5:01**
